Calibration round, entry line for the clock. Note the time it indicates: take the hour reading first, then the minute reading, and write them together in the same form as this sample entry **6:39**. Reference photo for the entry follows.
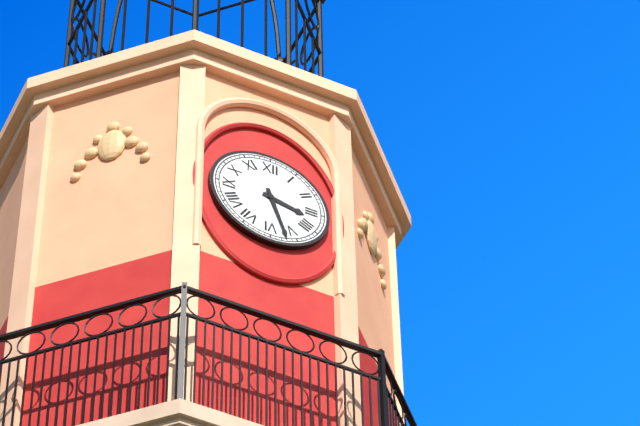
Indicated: **3:27**
